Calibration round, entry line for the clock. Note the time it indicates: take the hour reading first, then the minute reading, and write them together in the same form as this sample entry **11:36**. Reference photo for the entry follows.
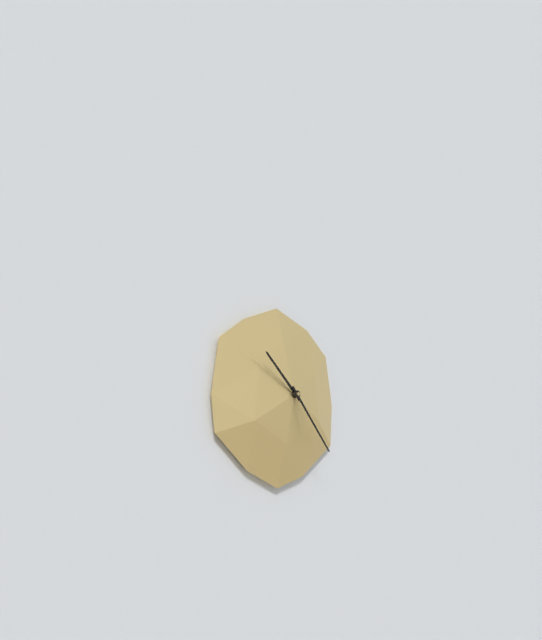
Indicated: **10:23**
